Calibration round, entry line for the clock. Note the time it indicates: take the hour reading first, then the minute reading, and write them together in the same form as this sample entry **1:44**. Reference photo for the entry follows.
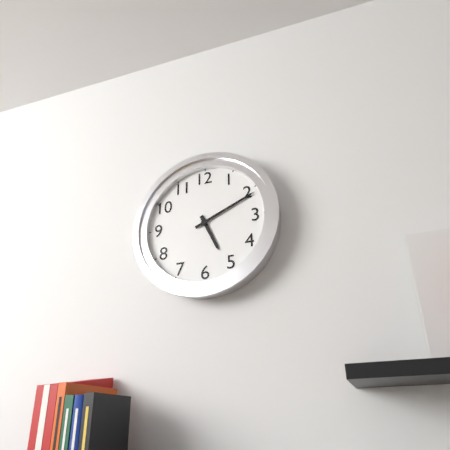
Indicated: **5:11**
